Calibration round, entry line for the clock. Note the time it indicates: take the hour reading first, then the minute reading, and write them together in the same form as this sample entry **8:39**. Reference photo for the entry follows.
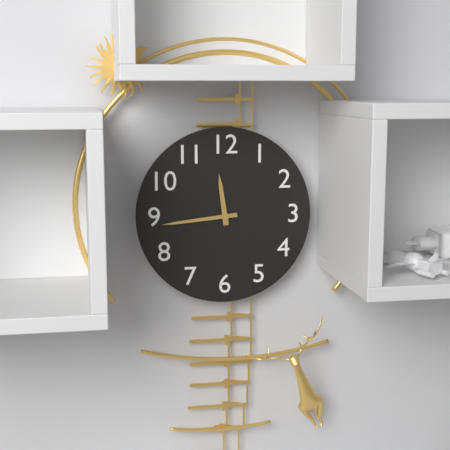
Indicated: **11:44**
